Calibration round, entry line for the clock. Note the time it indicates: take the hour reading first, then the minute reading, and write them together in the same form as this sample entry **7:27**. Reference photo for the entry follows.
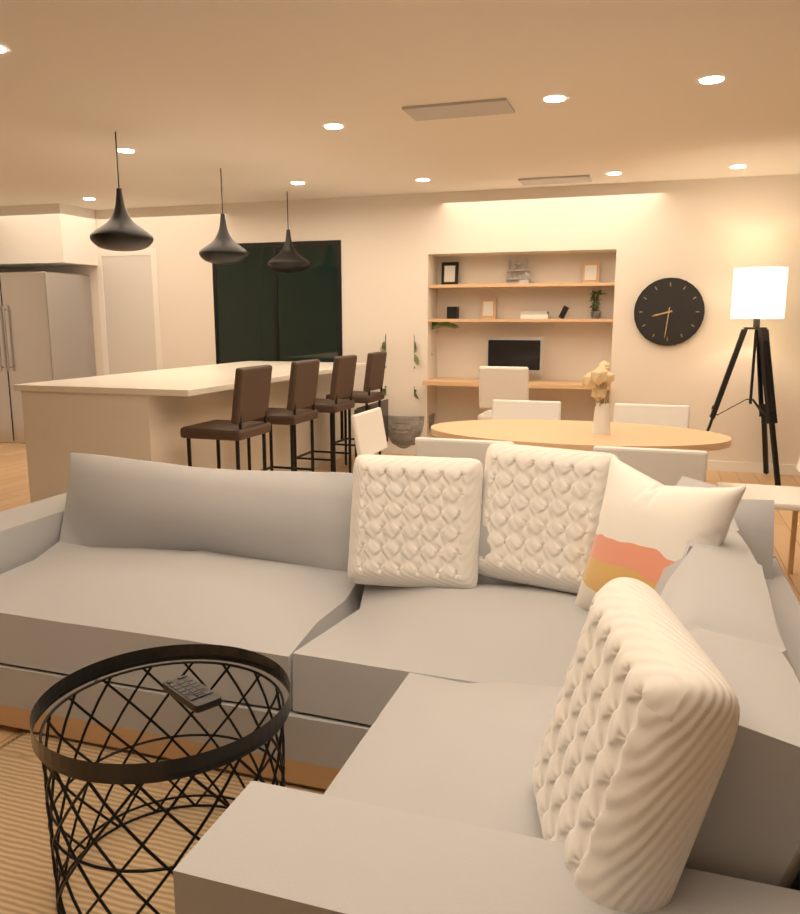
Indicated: **8:31**
